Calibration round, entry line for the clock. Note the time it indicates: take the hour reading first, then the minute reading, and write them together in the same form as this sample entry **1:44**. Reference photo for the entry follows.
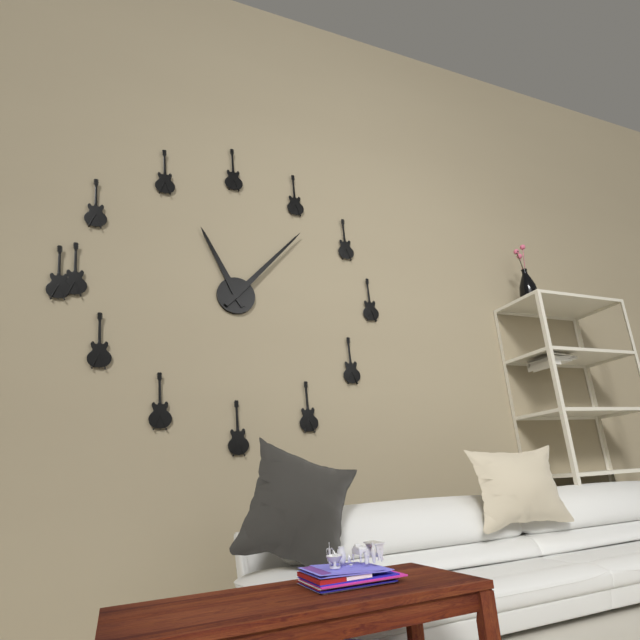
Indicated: **11:07**
